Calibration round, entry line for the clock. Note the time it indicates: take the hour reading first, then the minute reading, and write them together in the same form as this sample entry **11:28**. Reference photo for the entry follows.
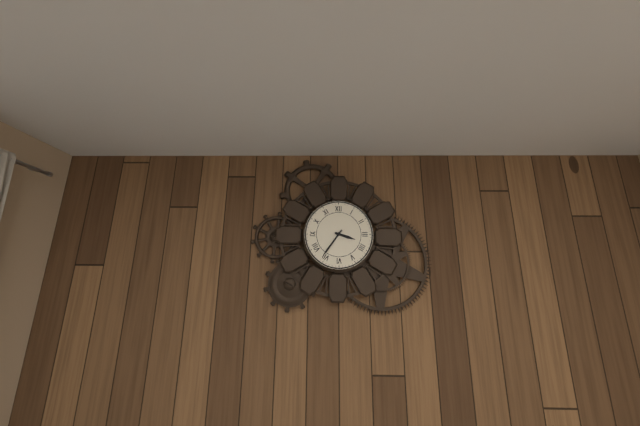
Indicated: **3:36**
